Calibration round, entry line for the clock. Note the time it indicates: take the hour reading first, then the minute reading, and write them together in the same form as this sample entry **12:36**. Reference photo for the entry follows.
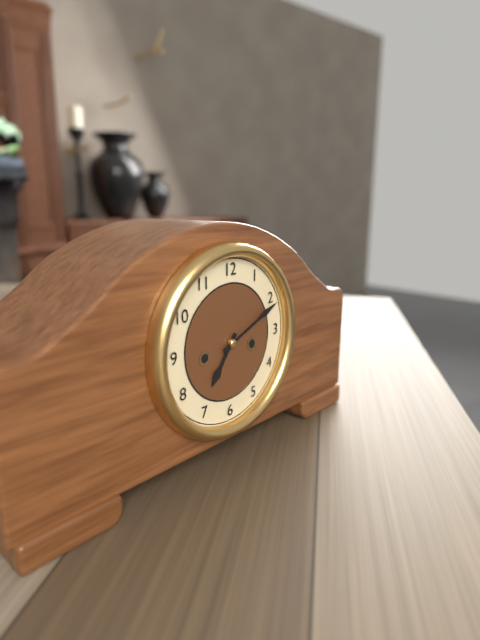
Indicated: **7:11**
